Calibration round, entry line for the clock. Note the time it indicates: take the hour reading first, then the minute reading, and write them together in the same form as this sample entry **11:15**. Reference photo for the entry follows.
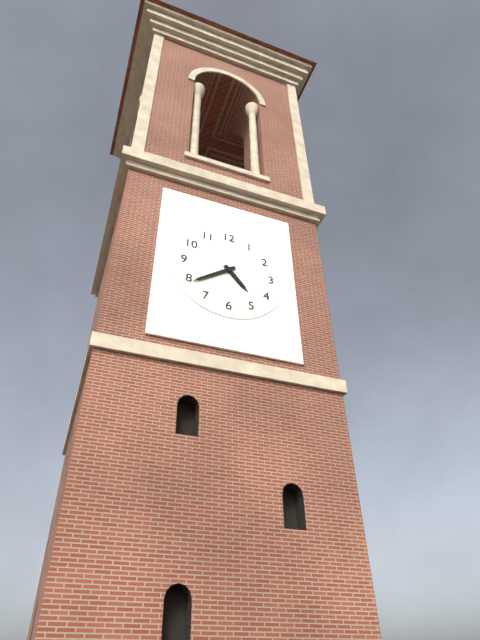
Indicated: **4:39**
